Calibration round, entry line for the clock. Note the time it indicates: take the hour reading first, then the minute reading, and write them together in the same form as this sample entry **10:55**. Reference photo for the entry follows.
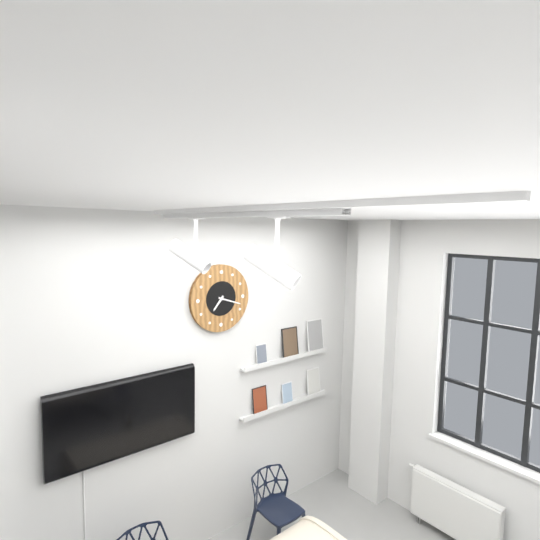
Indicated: **7:18**
